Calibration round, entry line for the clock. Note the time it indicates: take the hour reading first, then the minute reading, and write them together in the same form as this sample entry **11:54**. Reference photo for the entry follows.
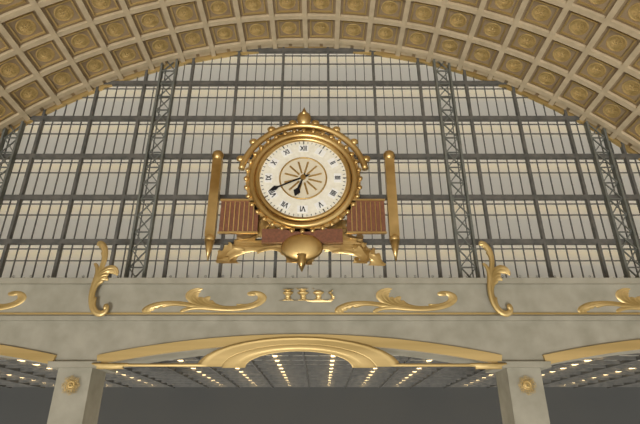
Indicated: **6:41**
